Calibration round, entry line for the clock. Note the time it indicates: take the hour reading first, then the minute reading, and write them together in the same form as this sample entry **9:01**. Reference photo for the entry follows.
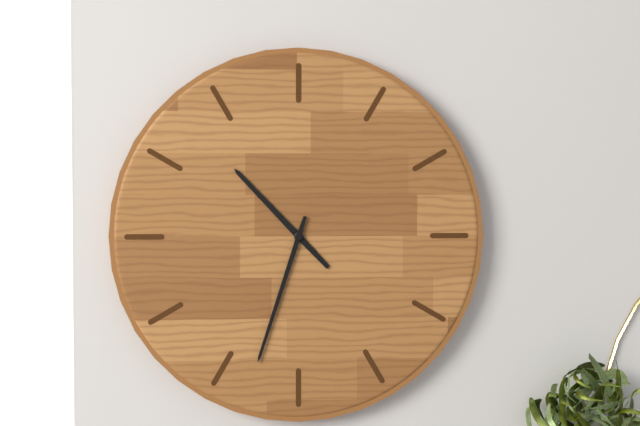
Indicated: **10:33**
